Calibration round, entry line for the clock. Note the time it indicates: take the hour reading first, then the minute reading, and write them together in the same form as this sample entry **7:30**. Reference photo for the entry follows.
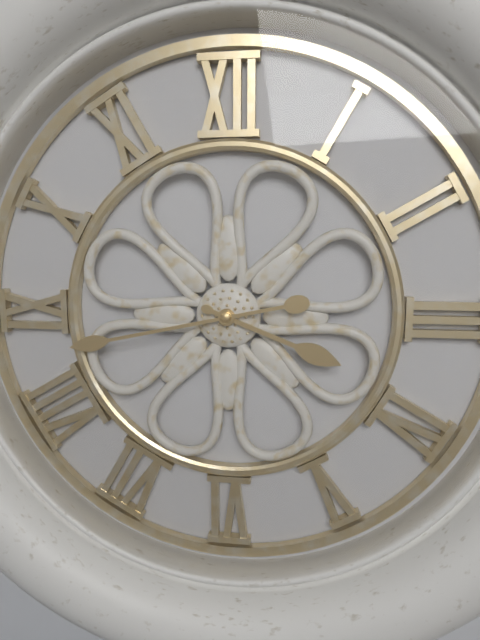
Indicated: **3:43**
